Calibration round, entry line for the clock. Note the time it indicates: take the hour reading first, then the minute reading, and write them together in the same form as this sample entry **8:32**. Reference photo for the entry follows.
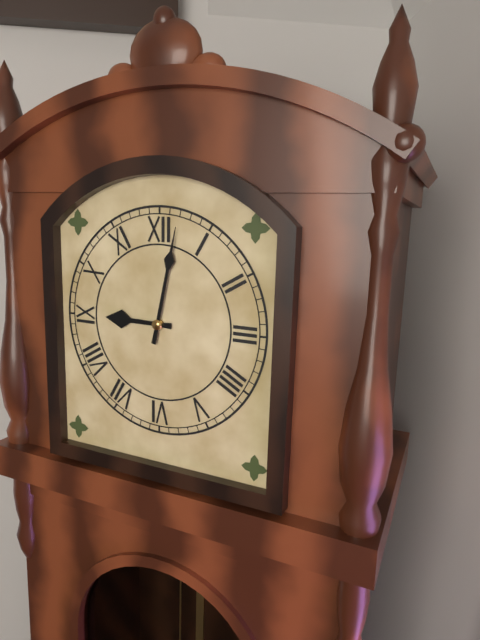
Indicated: **9:02**
